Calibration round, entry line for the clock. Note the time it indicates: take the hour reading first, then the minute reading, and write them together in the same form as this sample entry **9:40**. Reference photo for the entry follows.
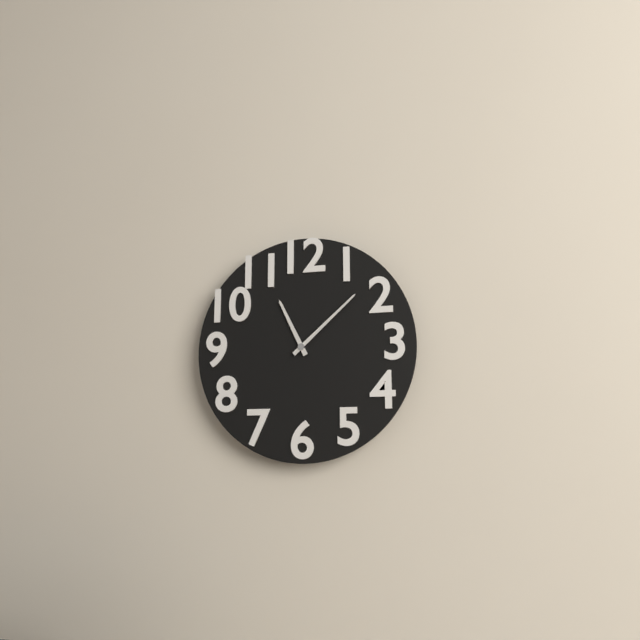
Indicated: **11:08**
